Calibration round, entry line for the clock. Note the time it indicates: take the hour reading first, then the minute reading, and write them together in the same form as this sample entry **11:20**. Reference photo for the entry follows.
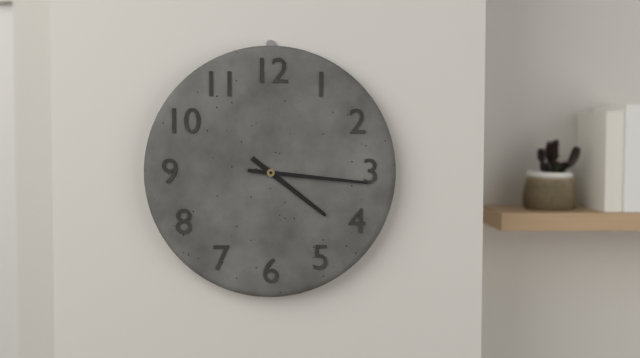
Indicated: **4:16**
